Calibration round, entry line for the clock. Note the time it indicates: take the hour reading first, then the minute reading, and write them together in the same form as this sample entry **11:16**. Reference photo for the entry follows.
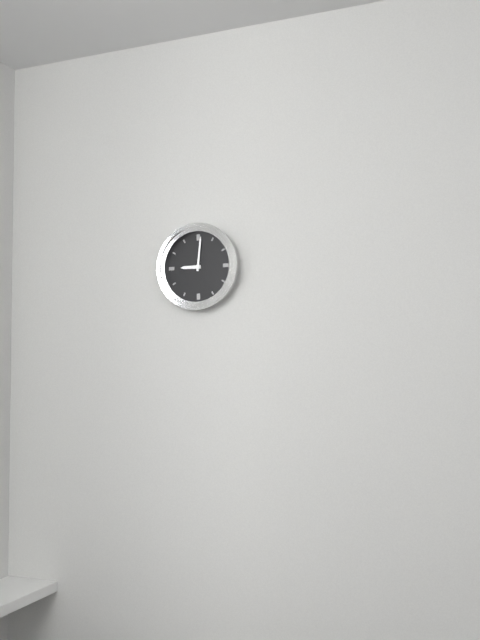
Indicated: **9:01**
